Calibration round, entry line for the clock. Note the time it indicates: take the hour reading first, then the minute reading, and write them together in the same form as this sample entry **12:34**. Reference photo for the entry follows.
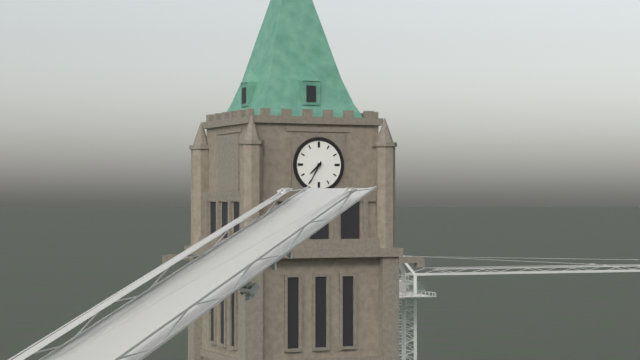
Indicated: **7:35**
